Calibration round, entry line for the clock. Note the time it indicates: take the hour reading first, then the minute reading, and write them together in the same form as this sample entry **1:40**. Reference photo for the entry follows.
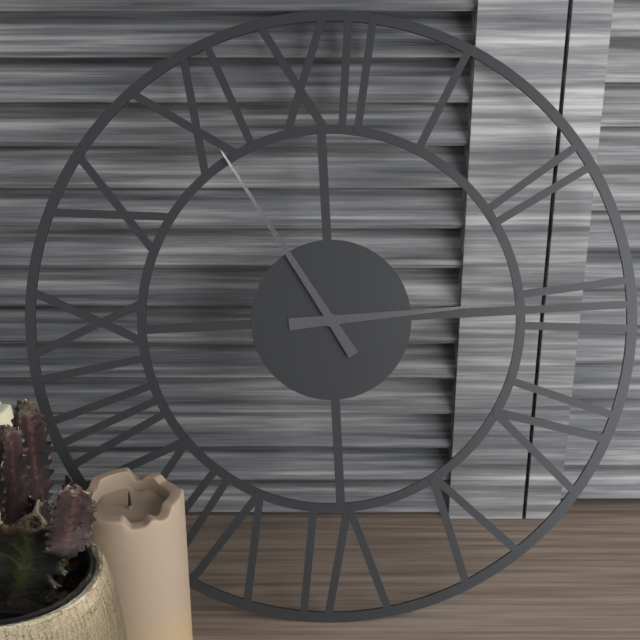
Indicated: **2:55**
